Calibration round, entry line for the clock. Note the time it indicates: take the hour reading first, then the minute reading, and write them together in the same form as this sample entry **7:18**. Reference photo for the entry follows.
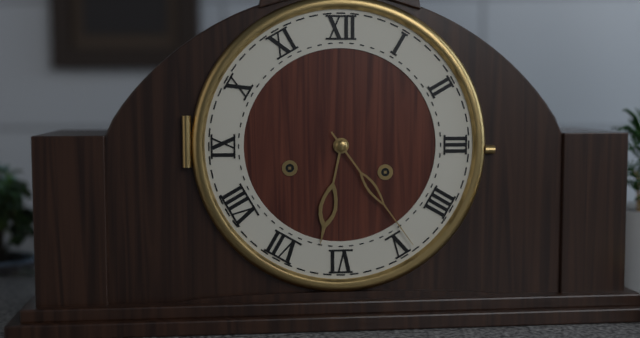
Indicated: **6:24**
